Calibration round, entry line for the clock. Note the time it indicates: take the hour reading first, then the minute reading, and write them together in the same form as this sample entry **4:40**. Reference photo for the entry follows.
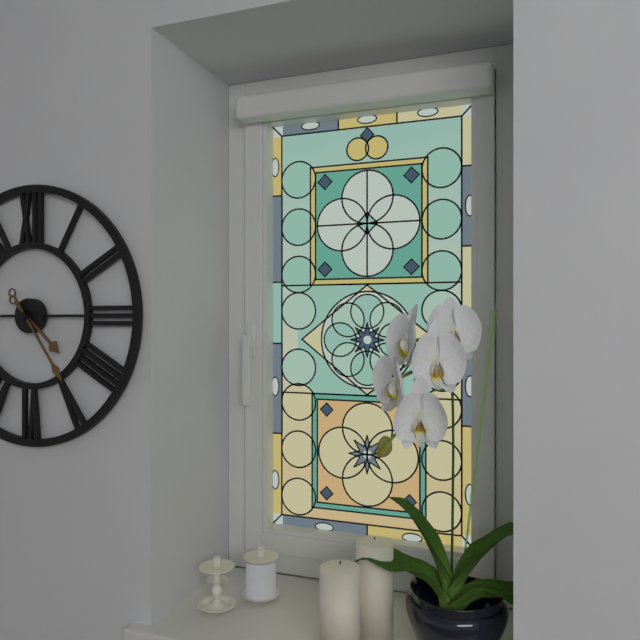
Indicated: **4:24**
